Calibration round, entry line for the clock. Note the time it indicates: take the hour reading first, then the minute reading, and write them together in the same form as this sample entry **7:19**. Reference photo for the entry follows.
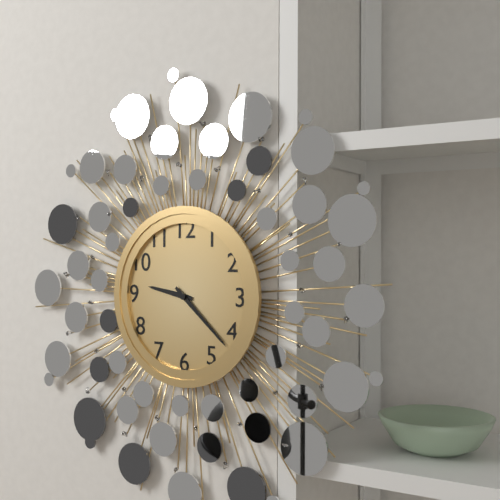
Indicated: **9:22**
